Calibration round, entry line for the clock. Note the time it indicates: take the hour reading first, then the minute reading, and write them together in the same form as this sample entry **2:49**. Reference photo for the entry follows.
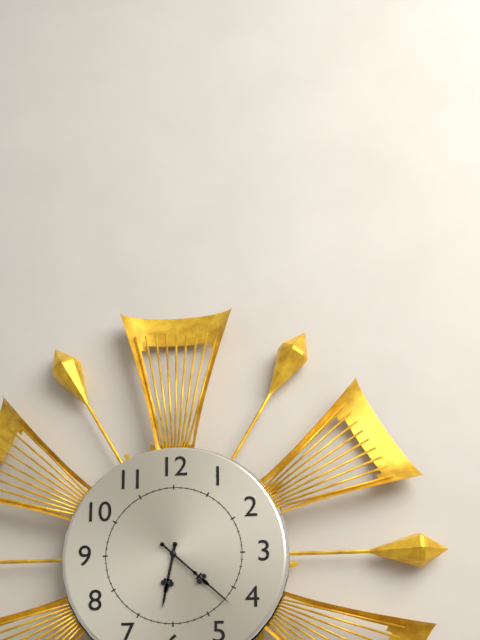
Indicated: **6:22**
